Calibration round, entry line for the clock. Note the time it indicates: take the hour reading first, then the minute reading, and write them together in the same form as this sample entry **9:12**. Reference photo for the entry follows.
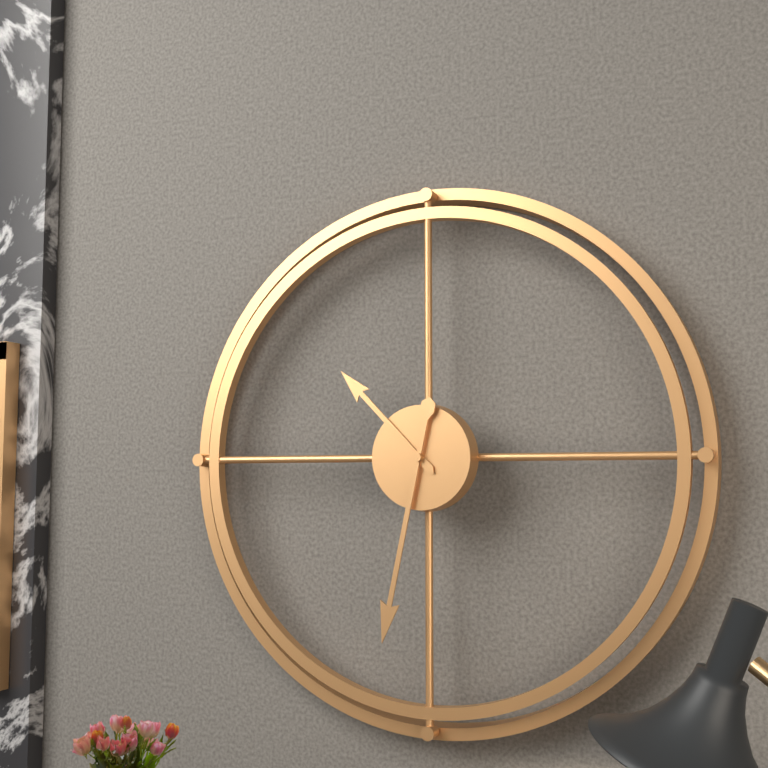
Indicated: **10:32**
